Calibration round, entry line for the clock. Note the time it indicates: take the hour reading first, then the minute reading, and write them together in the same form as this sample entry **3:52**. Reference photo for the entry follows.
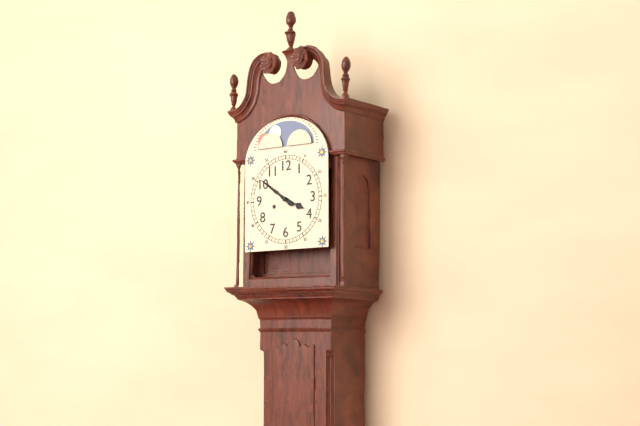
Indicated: **3:51**
